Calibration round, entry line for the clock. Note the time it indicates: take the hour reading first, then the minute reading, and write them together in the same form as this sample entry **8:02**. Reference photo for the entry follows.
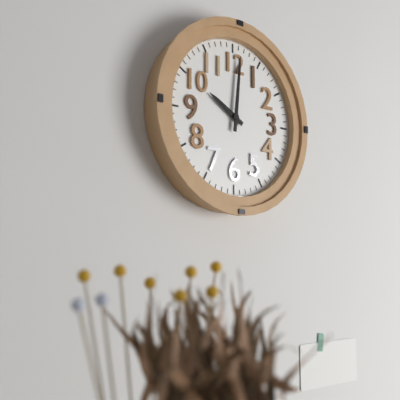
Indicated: **10:01**
